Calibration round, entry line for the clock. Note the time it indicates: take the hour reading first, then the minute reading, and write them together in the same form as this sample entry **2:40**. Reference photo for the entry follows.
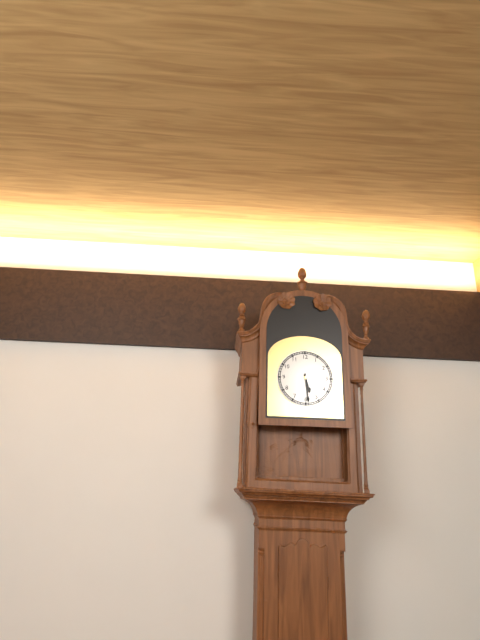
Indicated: **5:29**
